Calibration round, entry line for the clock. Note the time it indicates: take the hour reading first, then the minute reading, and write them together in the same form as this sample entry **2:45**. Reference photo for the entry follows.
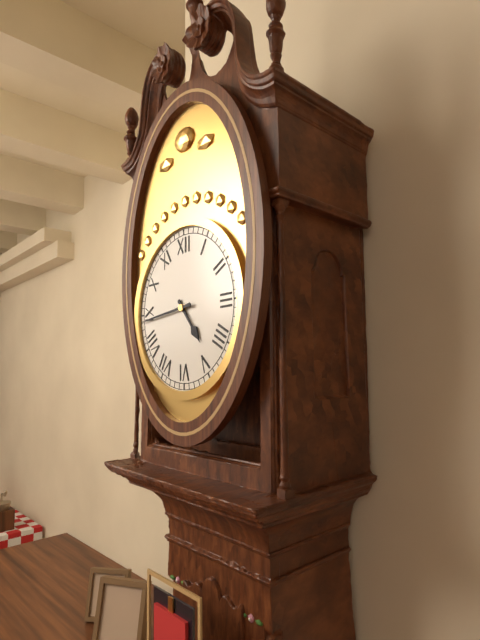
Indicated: **4:44**
